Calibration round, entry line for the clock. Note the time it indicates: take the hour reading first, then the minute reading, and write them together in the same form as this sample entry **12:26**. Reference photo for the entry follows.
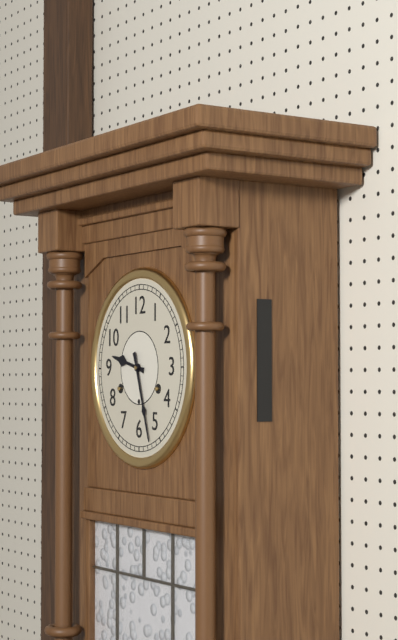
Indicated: **9:27**
